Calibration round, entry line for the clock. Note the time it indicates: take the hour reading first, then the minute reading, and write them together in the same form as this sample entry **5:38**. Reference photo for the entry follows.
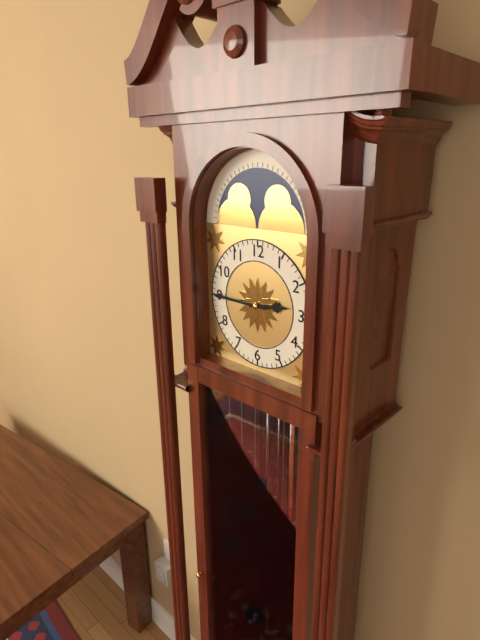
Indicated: **2:45**
